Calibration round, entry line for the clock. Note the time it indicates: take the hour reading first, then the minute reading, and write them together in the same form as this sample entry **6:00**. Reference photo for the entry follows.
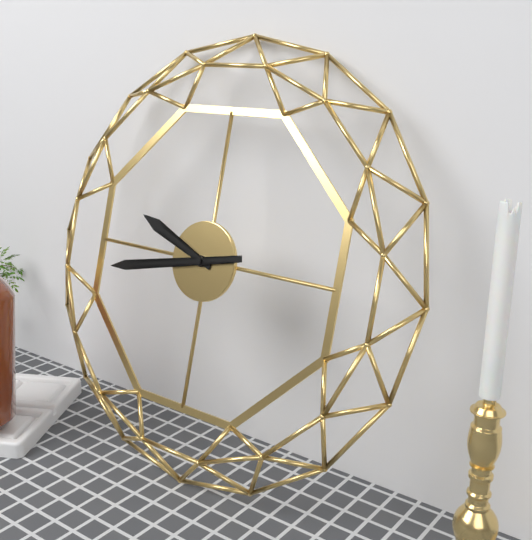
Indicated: **9:43**
